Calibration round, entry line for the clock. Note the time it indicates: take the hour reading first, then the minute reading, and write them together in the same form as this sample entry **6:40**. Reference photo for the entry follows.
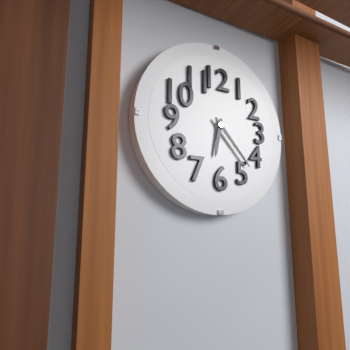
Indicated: **6:23**
